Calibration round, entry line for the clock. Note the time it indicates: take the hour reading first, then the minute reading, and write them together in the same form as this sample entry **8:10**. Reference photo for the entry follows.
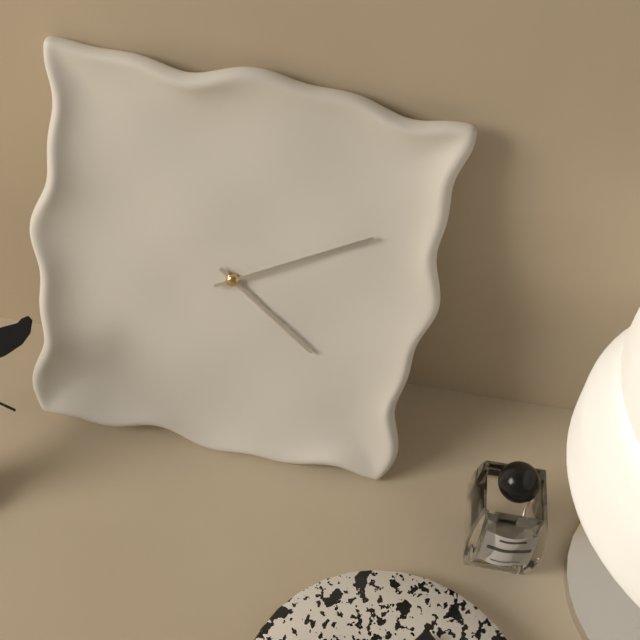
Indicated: **4:10**
